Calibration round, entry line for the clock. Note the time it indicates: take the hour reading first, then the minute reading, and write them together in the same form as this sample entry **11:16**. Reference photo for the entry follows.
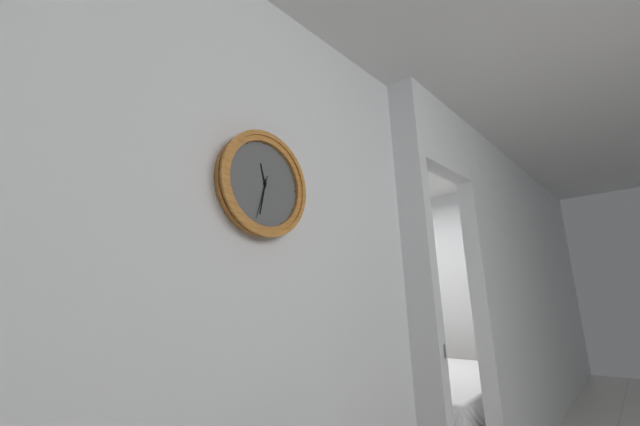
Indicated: **11:32**
